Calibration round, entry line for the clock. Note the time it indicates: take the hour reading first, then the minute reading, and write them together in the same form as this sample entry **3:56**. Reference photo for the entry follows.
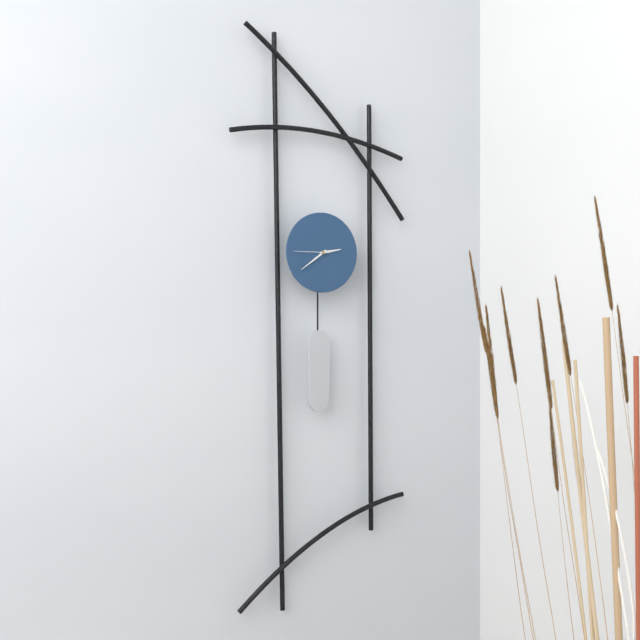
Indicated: **2:39**
